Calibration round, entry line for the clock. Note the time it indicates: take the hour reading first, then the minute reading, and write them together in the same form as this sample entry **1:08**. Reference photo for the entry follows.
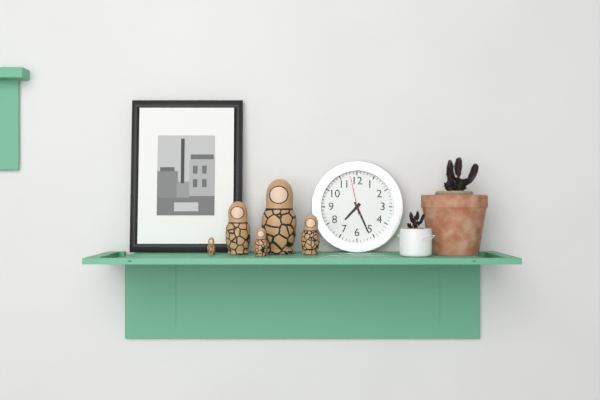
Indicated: **7:26**
